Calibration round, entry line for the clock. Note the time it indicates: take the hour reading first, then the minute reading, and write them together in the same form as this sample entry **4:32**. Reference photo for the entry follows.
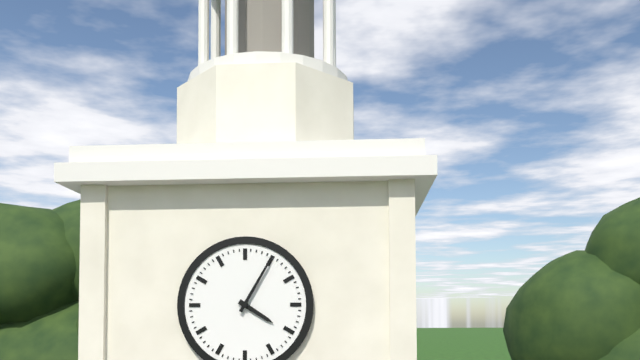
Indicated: **4:05**
